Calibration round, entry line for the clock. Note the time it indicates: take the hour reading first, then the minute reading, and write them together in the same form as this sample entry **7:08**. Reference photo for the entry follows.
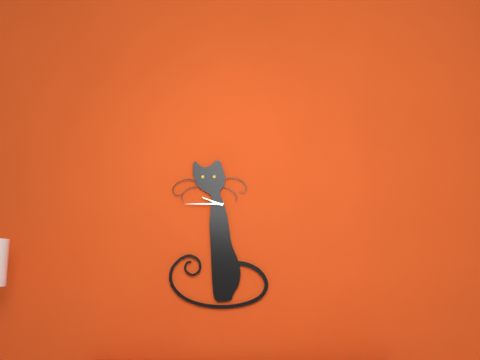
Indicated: **9:45**
